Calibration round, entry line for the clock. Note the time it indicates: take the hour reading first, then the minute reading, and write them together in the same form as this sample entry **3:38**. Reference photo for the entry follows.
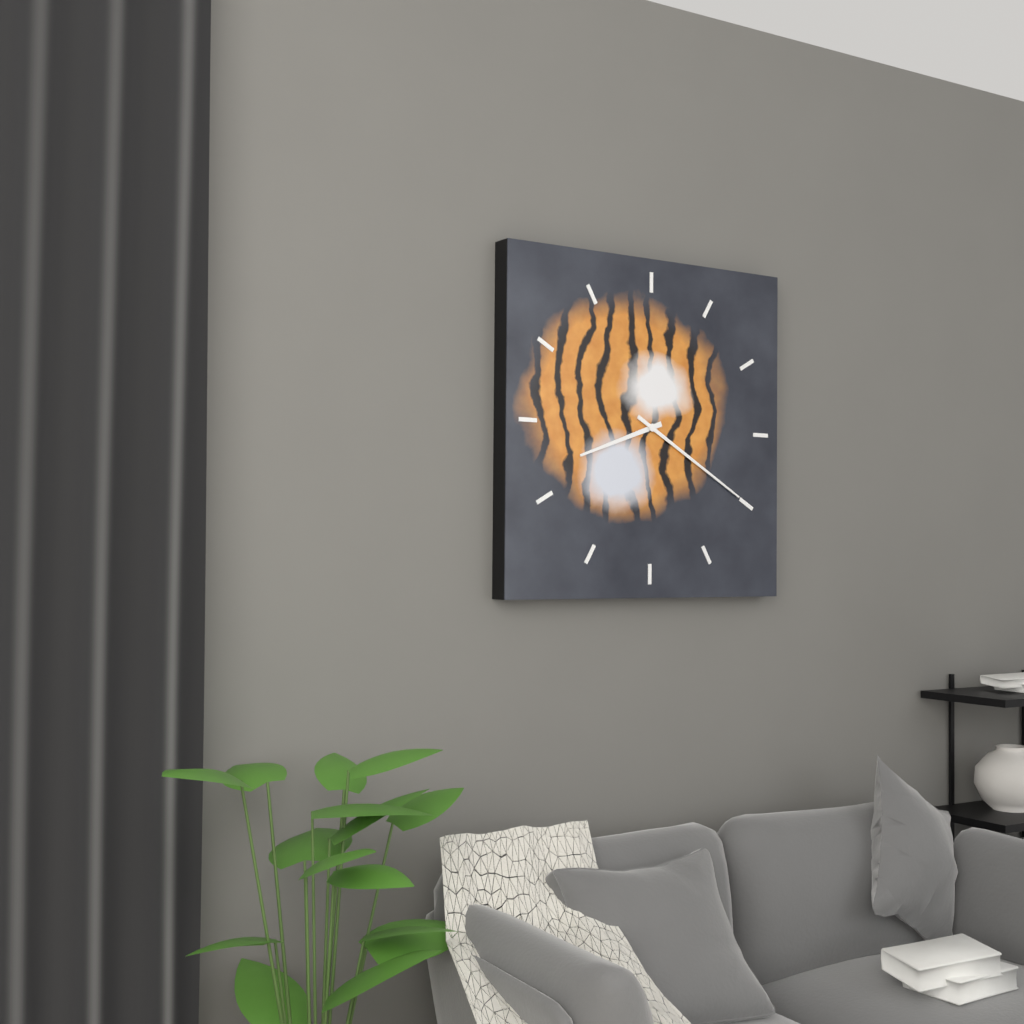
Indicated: **8:20**
